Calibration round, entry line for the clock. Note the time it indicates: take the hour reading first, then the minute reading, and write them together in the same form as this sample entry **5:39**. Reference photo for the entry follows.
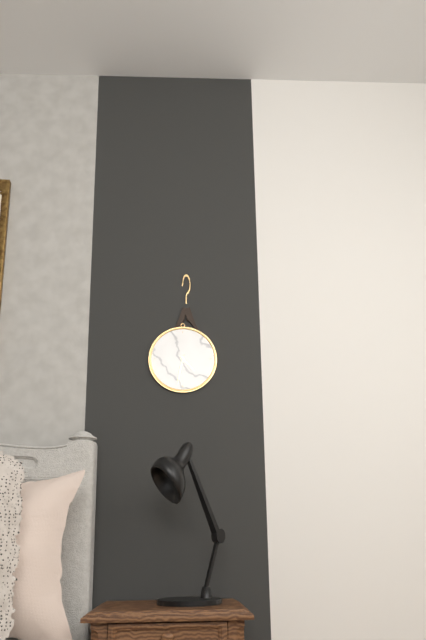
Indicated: **4:32**
